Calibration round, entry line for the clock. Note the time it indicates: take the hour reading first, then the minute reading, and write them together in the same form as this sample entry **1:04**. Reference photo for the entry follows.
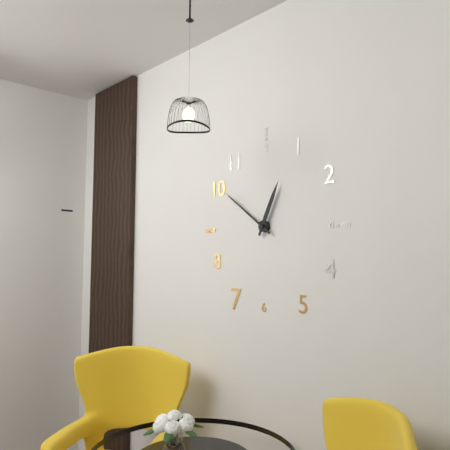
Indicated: **12:51**
